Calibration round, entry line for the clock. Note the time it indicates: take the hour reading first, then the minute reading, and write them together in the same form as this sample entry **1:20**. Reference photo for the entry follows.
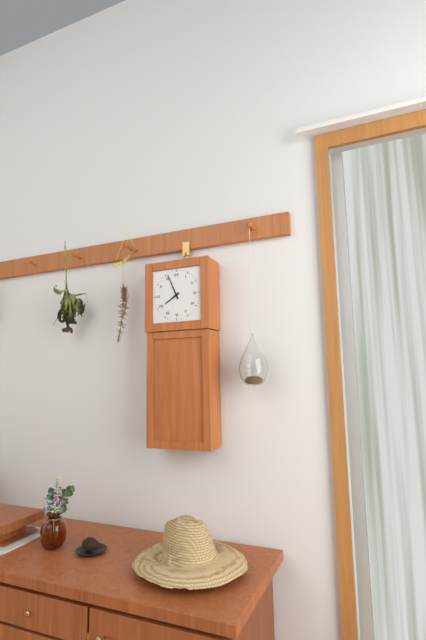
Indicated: **7:56**
